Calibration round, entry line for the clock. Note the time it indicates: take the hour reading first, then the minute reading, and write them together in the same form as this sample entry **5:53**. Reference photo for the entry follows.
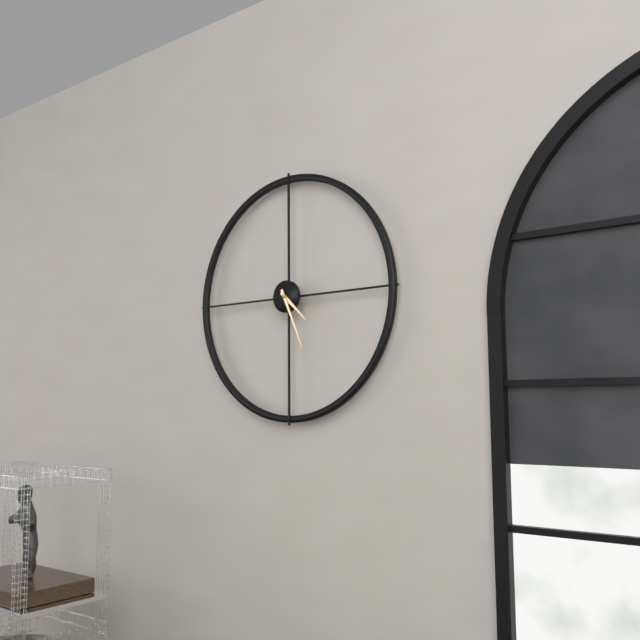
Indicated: **4:26**
